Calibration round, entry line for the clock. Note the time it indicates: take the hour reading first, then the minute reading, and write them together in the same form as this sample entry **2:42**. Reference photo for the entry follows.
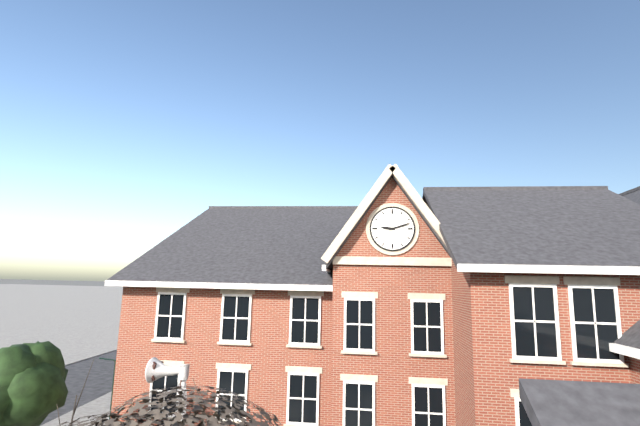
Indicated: **9:12**
